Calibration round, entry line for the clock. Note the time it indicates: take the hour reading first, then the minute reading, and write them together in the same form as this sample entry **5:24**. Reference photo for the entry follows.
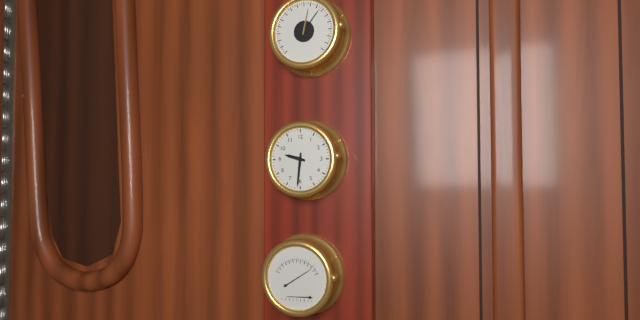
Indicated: **9:31**
